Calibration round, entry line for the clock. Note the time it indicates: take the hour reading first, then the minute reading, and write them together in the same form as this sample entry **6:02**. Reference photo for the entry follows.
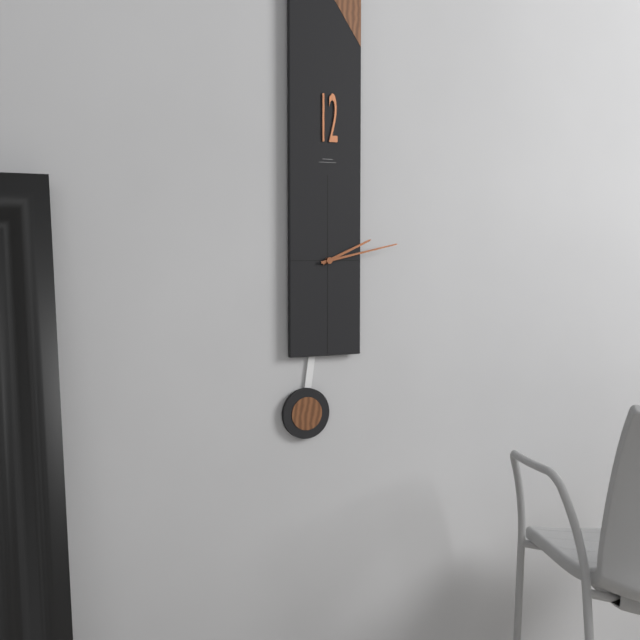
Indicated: **2:13**
